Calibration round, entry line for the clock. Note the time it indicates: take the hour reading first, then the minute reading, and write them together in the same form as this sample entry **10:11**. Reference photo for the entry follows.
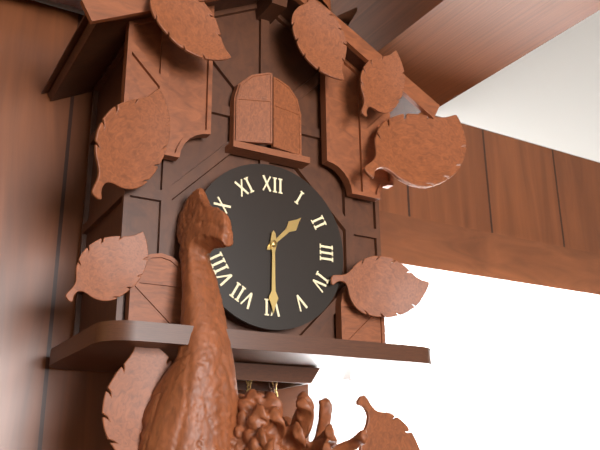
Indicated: **1:30**
